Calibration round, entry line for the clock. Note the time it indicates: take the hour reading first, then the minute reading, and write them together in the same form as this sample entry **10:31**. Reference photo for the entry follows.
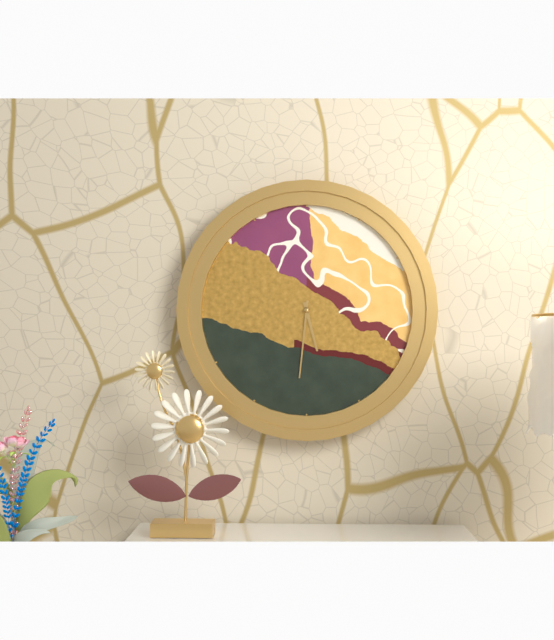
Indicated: **5:31**
